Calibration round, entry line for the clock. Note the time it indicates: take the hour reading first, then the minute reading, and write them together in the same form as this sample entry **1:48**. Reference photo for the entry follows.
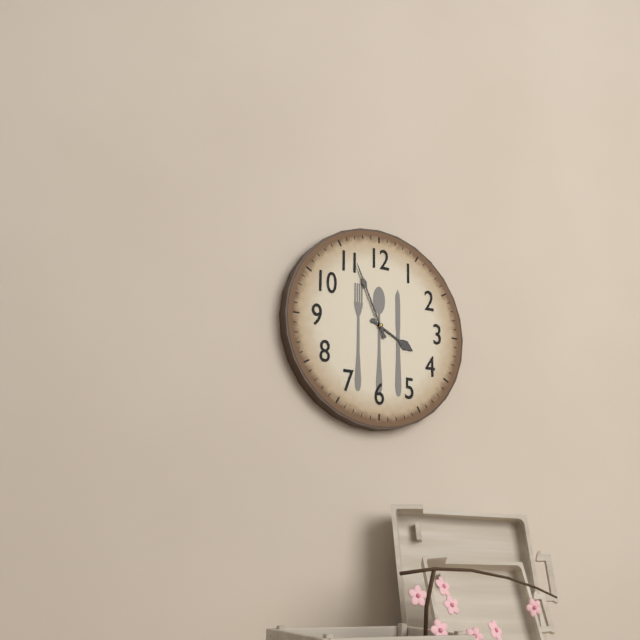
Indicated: **3:56**
